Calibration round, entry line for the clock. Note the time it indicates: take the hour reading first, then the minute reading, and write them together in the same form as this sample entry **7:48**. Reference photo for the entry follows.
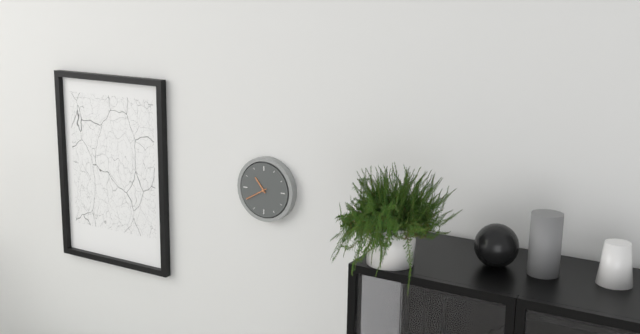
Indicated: **10:40**
